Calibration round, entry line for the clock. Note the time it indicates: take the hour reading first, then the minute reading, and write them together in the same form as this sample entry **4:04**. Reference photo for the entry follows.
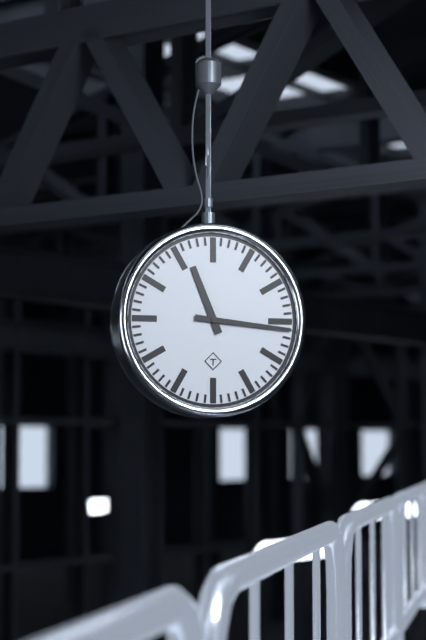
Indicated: **11:16**
